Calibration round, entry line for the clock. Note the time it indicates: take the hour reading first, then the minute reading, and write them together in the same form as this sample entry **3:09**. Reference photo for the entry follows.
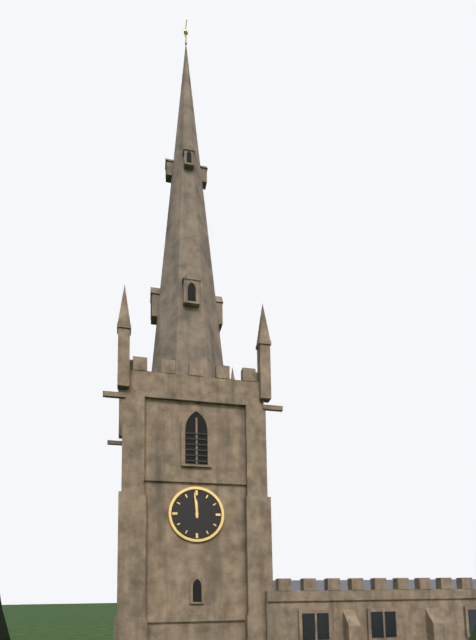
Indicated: **11:59**
